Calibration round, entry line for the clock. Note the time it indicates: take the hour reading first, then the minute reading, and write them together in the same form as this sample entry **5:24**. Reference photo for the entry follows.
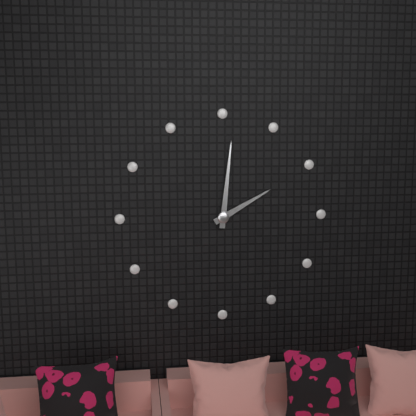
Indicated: **2:01**
